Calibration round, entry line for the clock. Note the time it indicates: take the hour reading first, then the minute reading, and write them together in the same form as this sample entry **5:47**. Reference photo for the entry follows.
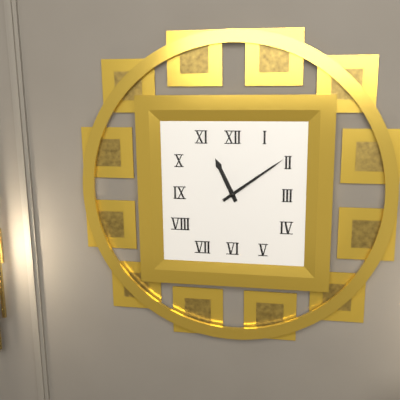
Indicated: **11:09**
